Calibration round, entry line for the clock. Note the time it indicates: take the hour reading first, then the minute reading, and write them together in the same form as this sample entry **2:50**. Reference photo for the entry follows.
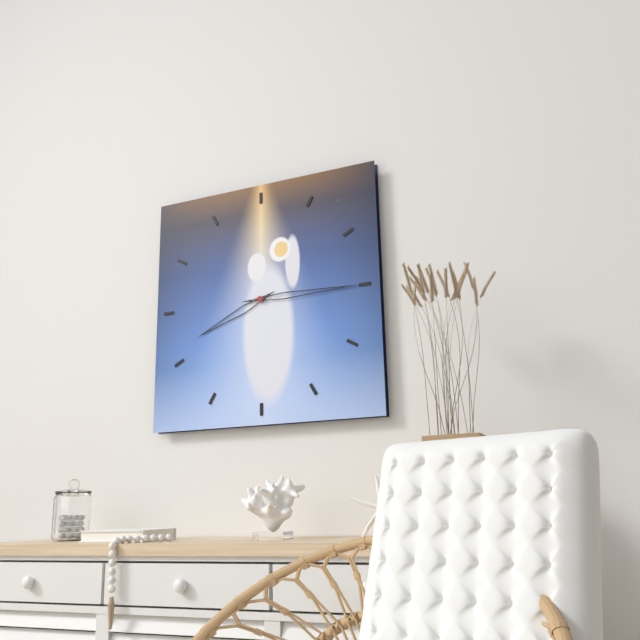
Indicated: **8:15**
